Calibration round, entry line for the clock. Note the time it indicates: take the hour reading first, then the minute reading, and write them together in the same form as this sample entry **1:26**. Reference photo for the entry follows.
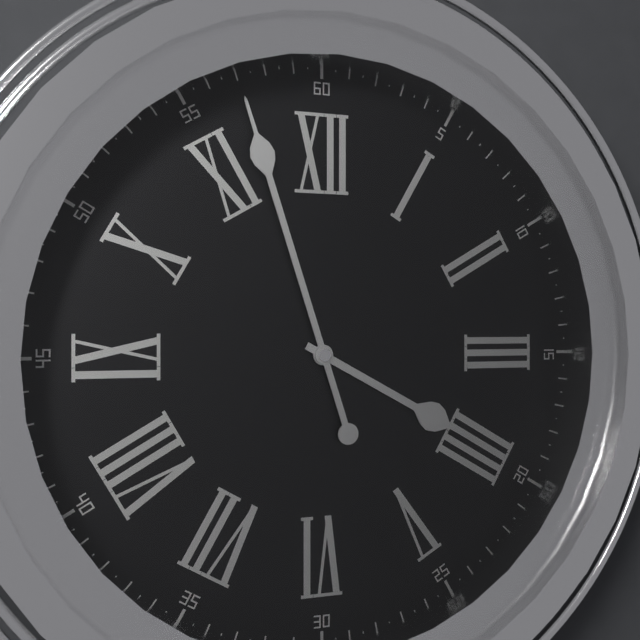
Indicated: **3:57**
